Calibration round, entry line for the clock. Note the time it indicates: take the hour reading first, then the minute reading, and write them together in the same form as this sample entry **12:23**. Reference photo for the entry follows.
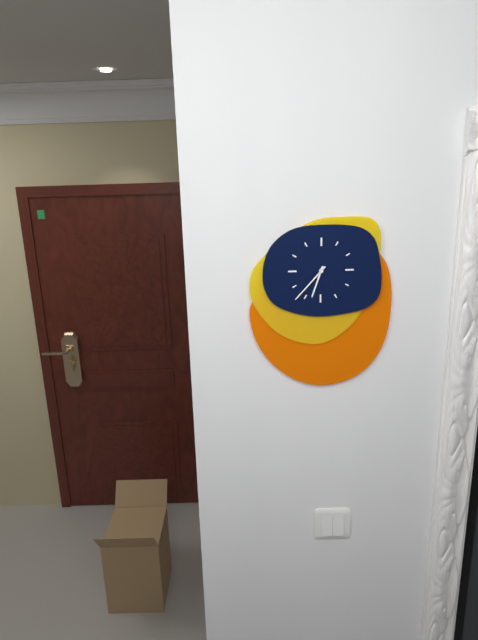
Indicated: **6:37**
